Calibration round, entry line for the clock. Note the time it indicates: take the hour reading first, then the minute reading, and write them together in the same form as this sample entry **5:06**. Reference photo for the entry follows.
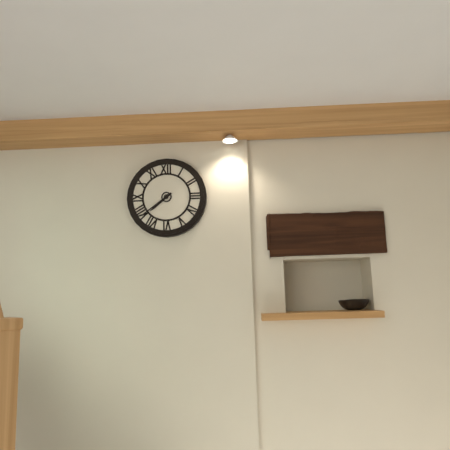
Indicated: **7:39**
